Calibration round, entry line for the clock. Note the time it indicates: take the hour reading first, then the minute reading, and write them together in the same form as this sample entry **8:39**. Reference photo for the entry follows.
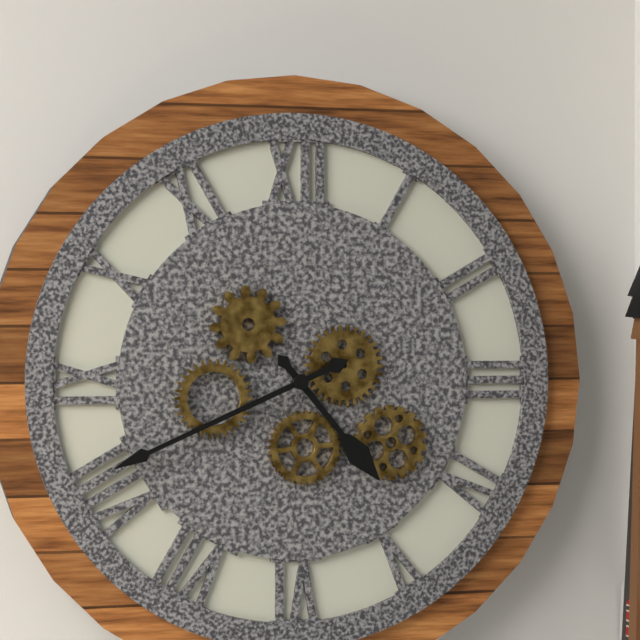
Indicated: **4:41**
